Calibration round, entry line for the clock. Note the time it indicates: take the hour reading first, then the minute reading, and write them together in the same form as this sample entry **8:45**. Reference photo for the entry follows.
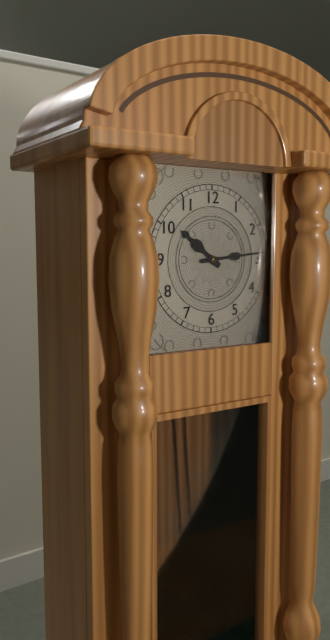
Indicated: **10:14**
